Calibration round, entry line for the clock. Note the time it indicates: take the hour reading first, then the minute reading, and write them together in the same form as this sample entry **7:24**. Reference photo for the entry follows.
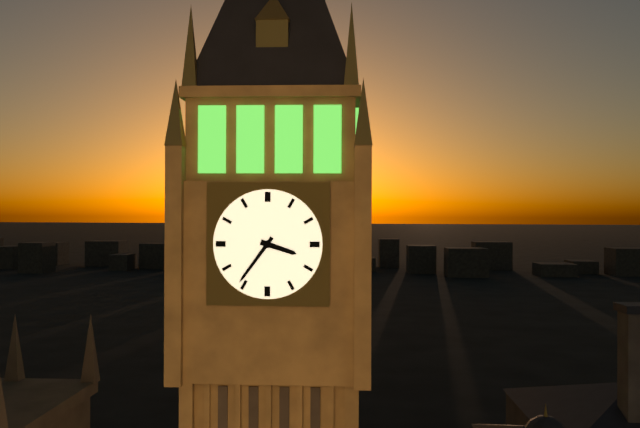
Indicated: **3:36**
